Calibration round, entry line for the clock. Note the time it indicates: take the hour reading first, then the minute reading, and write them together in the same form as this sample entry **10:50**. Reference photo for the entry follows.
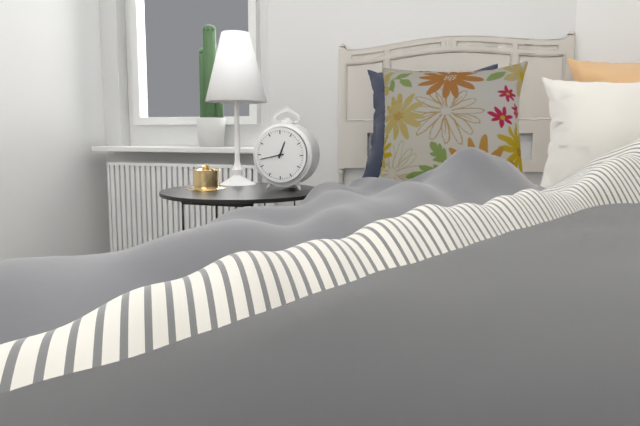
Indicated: **12:43**
